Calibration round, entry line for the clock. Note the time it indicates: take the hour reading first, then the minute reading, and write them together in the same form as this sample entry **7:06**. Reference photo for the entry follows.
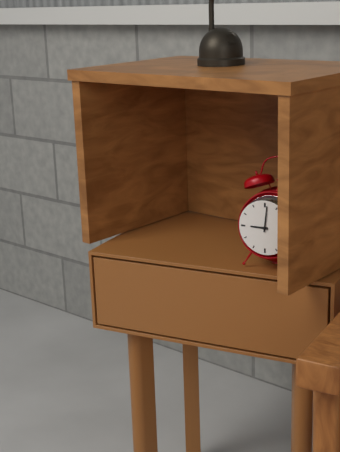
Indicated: **9:01**
